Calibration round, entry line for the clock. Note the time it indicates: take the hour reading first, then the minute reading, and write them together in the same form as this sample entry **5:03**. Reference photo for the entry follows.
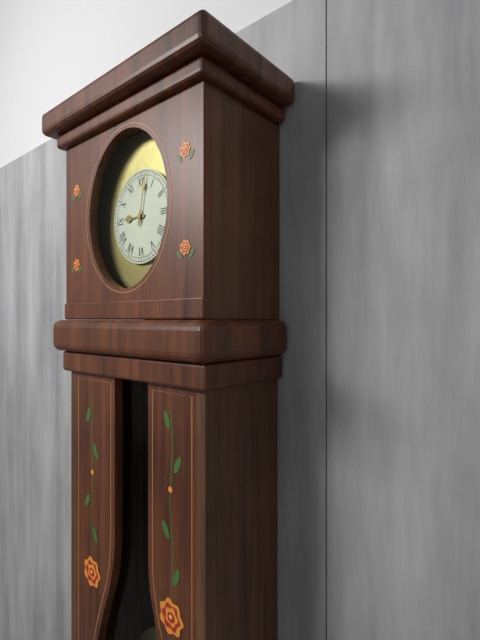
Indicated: **9:02**
